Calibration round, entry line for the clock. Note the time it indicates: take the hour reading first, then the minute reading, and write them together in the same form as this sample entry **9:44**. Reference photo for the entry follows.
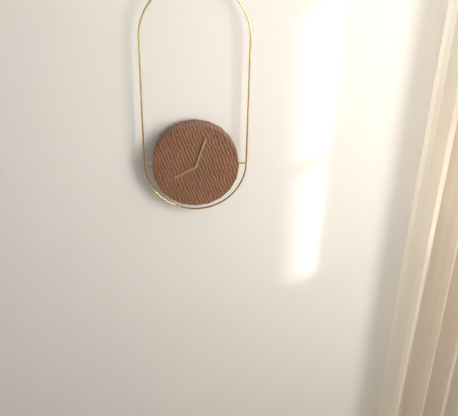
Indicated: **8:03**
